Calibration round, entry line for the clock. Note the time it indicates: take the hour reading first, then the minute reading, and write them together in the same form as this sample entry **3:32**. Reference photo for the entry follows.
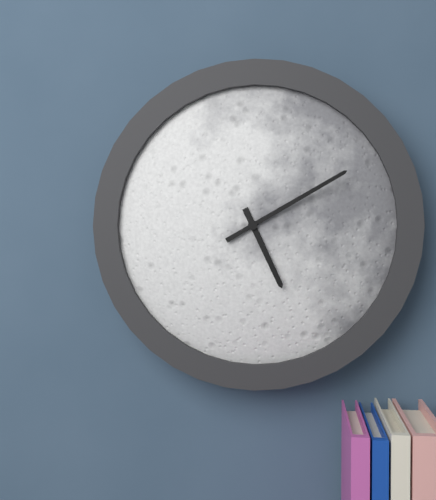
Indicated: **5:10**
